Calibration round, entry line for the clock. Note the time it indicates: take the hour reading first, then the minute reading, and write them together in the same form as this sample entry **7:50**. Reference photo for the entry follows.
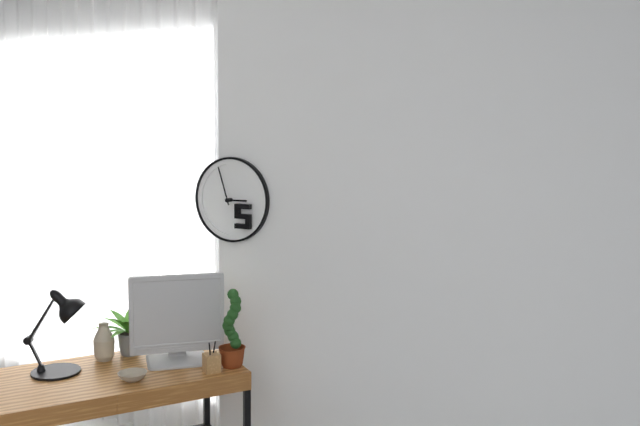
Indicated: **2:57**
